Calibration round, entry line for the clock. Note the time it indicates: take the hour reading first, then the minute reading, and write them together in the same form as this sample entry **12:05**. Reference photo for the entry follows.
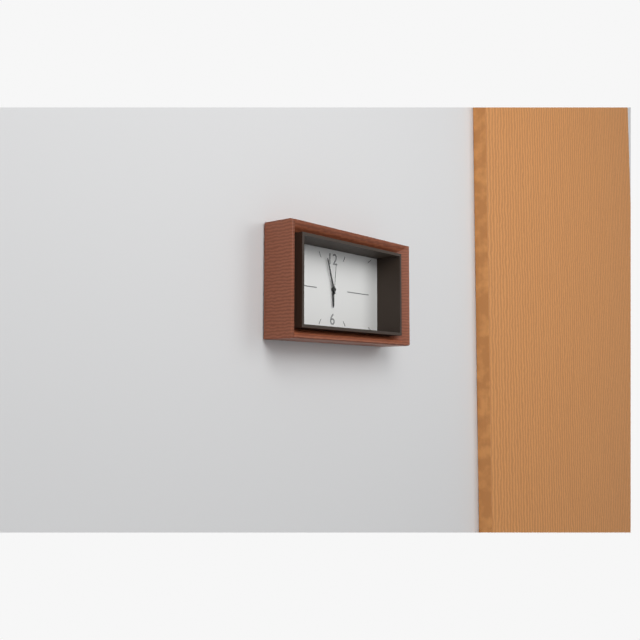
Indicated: **5:57**
